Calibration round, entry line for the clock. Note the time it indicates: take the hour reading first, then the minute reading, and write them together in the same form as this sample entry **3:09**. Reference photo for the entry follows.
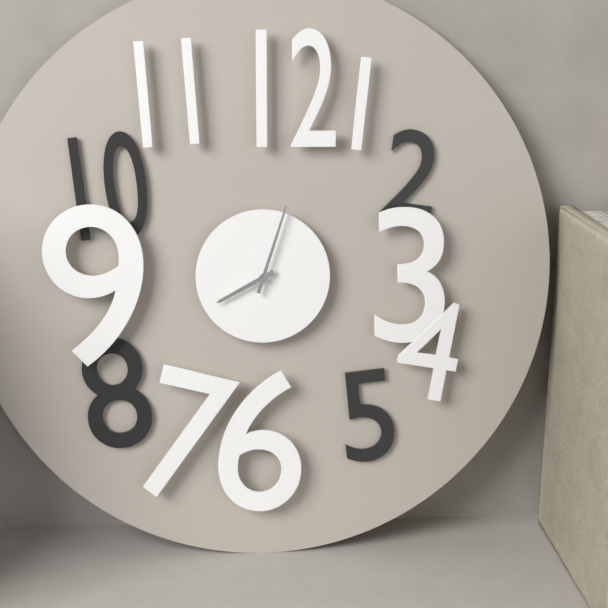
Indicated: **8:03**
